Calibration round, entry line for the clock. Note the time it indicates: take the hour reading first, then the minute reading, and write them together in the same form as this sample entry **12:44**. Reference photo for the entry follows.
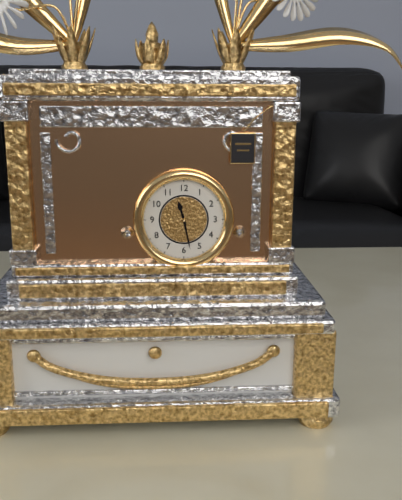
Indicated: **11:28**
